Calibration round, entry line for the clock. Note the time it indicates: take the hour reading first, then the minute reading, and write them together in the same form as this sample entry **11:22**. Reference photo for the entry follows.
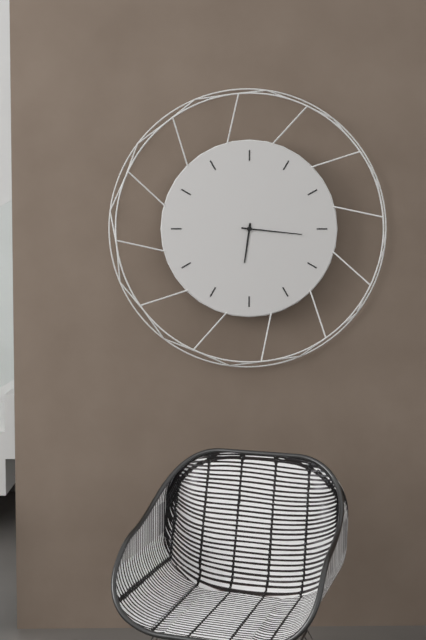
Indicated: **6:16**
